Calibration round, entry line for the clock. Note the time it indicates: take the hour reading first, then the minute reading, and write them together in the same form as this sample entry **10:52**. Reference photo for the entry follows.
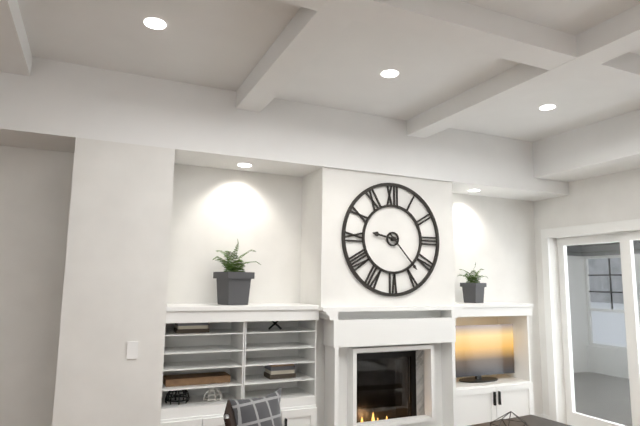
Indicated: **9:23**
